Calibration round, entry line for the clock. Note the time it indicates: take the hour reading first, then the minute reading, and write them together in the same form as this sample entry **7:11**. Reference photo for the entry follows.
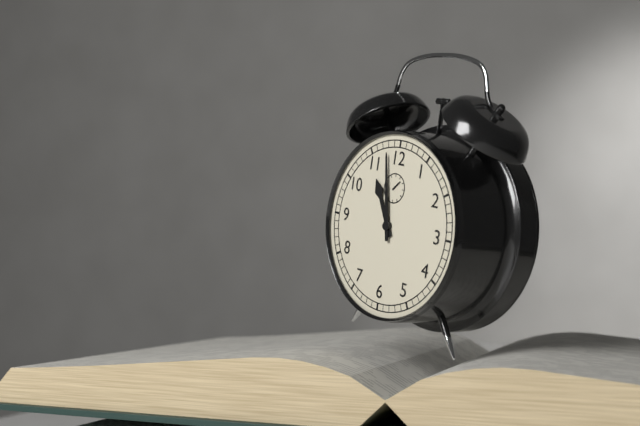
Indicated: **10:58**
